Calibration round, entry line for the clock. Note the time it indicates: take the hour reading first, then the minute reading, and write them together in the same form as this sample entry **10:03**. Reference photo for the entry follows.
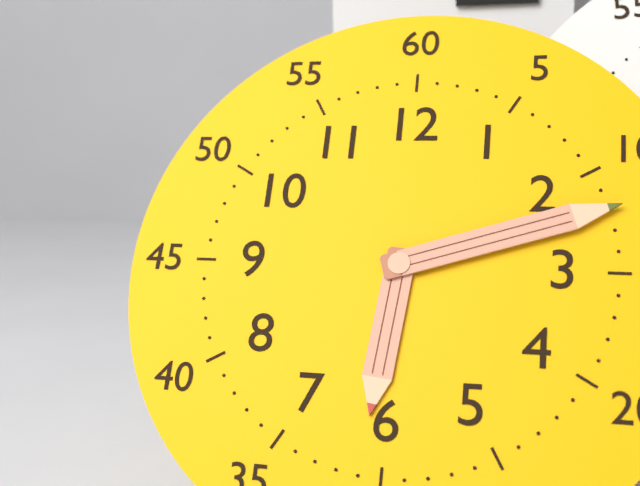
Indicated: **6:12**
